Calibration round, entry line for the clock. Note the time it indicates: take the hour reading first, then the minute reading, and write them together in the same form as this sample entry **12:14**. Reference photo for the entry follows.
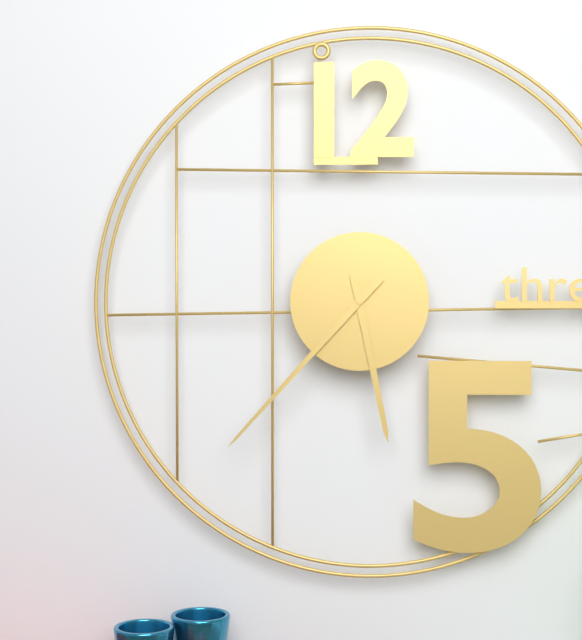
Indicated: **5:37**
